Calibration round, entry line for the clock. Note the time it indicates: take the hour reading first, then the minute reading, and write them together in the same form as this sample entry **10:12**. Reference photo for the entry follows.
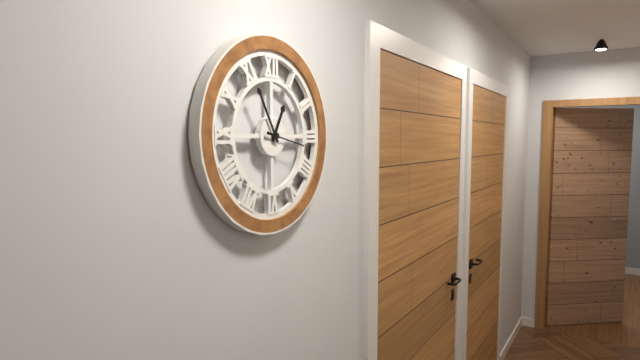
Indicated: **12:55**
